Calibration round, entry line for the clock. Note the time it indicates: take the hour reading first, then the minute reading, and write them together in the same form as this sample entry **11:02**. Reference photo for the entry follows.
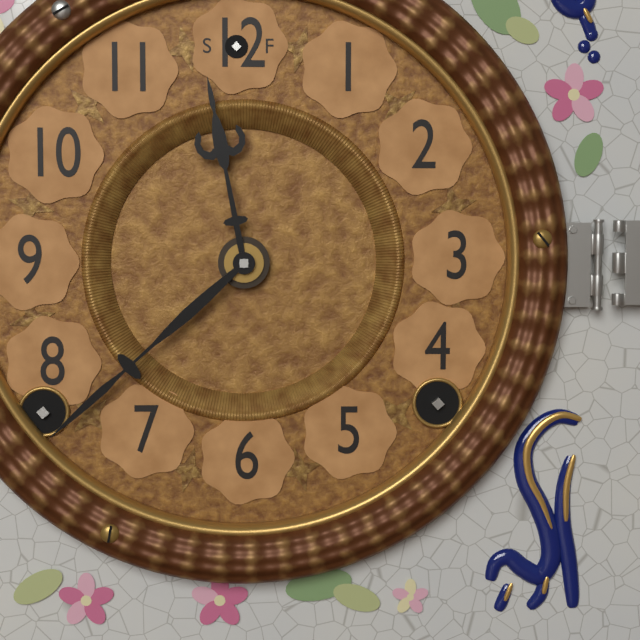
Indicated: **11:38**
